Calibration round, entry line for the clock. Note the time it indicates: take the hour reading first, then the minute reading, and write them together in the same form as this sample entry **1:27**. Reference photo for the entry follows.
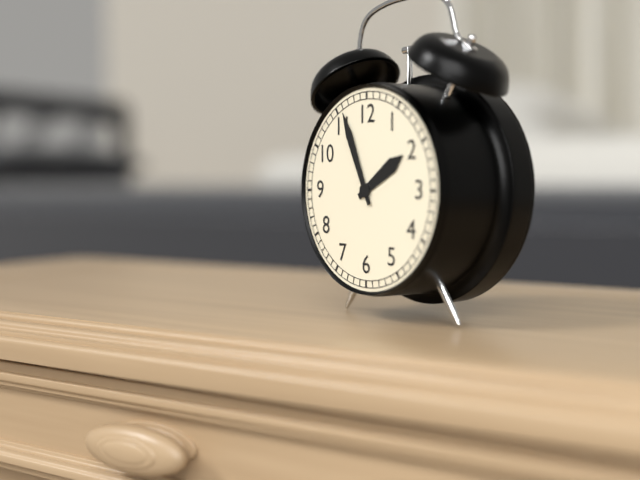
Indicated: **1:56**
